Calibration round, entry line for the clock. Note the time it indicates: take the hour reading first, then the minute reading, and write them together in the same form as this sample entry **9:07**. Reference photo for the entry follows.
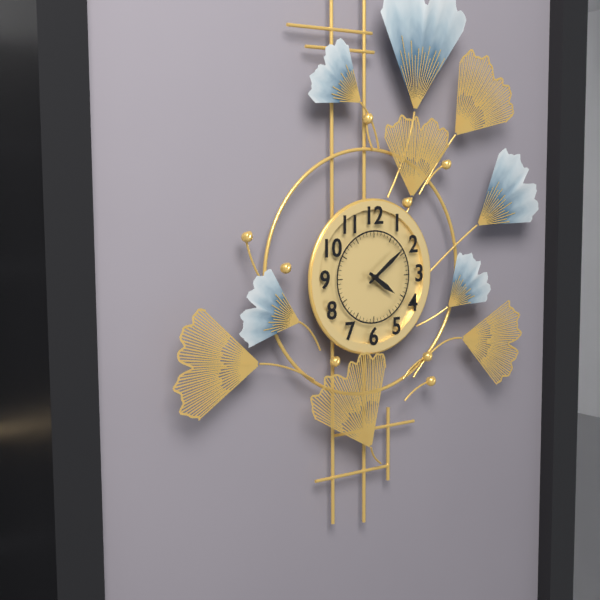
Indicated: **4:09**
